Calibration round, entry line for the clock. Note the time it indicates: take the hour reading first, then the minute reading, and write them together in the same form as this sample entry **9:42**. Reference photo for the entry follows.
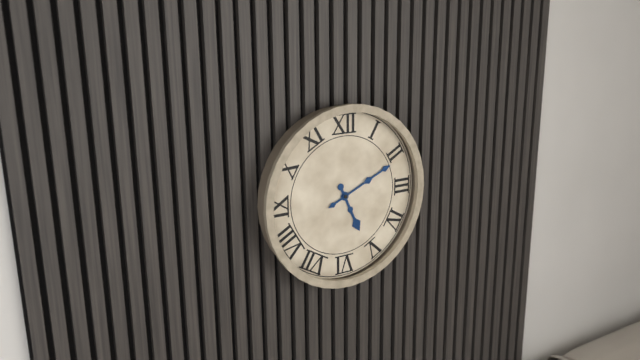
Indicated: **5:11**
